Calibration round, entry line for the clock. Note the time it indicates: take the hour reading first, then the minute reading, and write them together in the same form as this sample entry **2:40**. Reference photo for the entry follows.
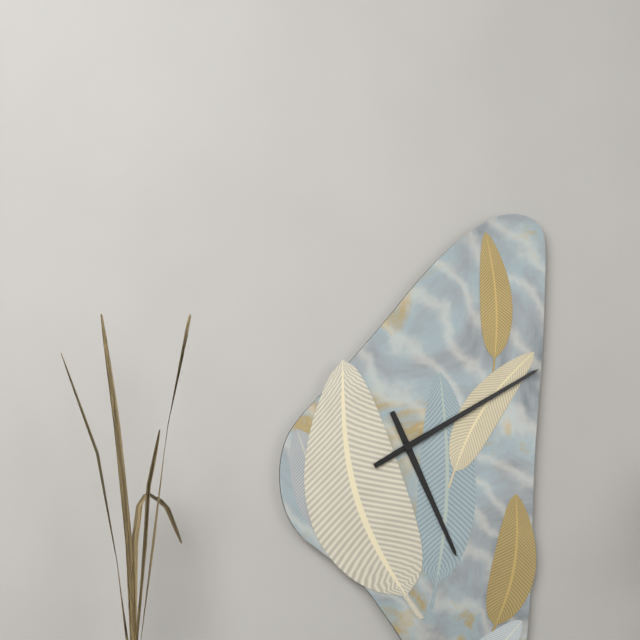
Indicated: **5:10**
